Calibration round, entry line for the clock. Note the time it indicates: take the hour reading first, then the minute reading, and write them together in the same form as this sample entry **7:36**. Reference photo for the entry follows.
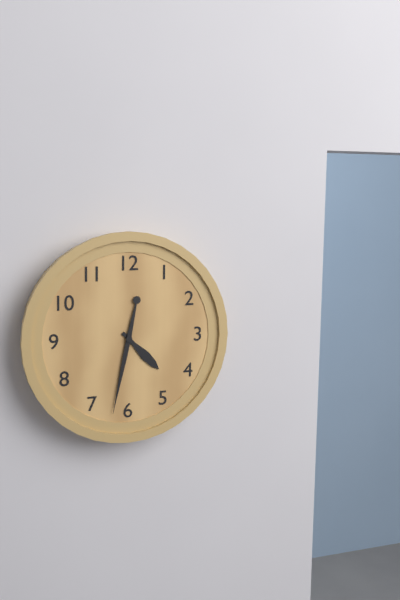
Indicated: **4:32**
